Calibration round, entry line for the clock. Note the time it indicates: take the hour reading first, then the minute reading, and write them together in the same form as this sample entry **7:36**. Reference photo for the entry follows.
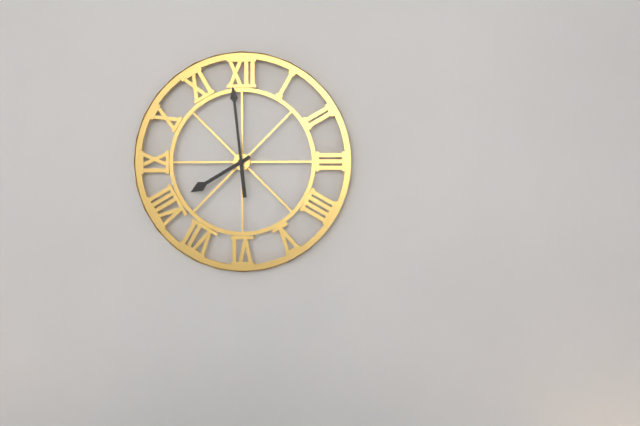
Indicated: **7:59**
